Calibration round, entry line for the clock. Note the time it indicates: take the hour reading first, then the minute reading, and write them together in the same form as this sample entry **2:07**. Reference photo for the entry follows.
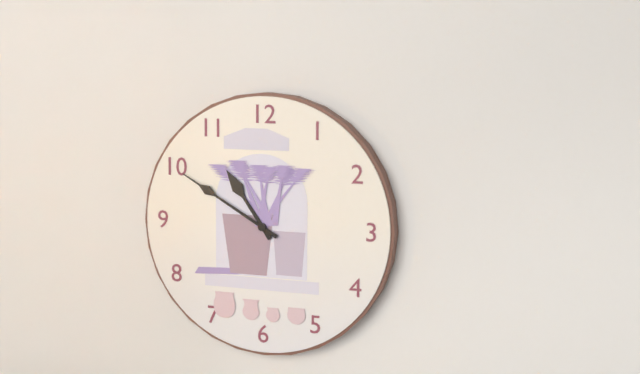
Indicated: **10:50**
